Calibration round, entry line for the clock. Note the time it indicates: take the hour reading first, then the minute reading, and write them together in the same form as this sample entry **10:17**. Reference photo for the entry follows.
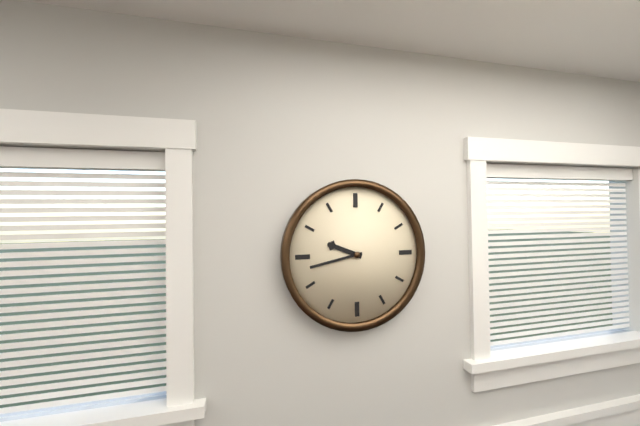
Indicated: **9:43**
